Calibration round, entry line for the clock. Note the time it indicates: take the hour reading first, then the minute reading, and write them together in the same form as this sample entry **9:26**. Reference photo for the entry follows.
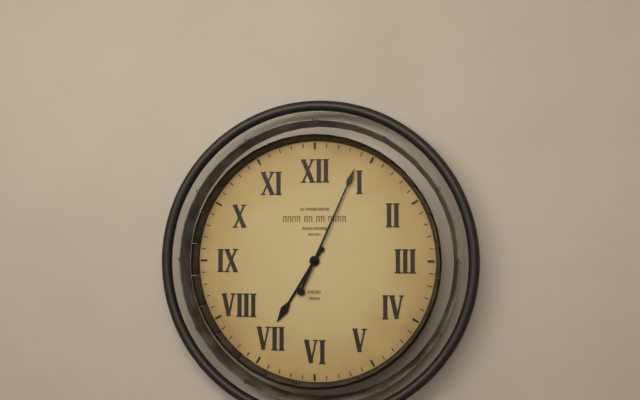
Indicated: **7:04**
